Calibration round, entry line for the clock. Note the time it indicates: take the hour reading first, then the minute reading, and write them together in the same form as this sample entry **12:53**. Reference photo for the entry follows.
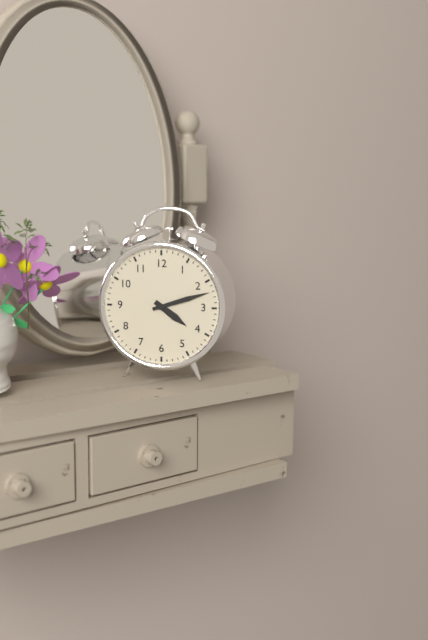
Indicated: **4:12**
